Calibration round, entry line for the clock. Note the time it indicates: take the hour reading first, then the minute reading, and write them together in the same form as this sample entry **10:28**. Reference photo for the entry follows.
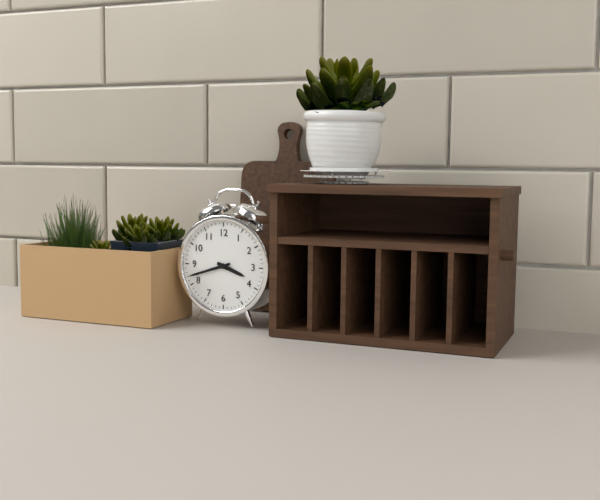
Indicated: **3:42**
